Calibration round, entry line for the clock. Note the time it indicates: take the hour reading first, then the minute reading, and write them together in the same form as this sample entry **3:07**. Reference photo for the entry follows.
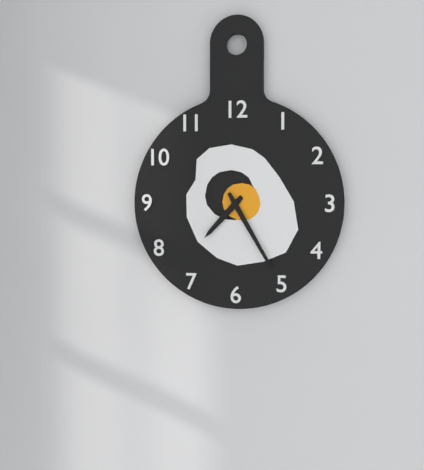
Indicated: **7:25**
